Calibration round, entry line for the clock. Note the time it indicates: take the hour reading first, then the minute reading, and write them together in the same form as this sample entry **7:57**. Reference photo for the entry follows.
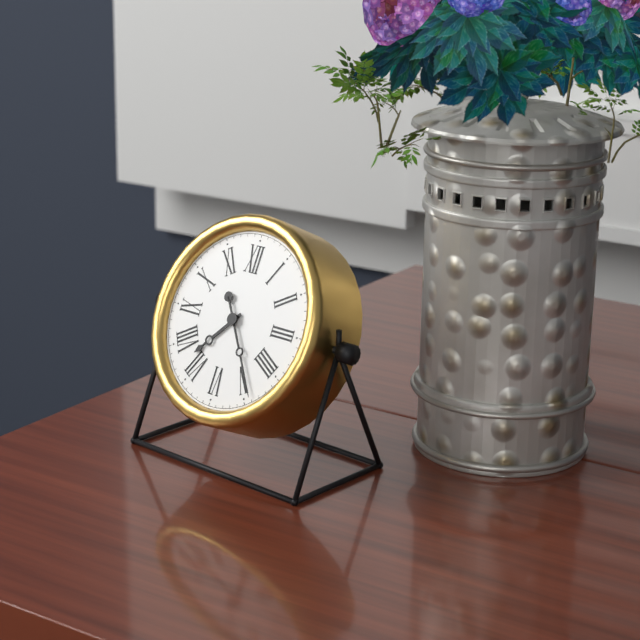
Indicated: **7:24**
